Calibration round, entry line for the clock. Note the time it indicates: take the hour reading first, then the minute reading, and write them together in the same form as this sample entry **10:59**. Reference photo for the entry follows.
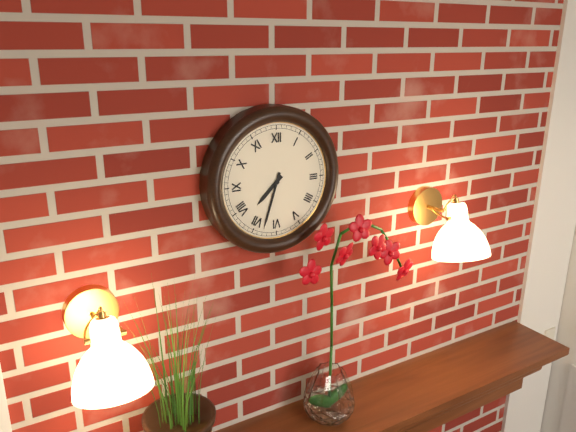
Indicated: **7:33**
